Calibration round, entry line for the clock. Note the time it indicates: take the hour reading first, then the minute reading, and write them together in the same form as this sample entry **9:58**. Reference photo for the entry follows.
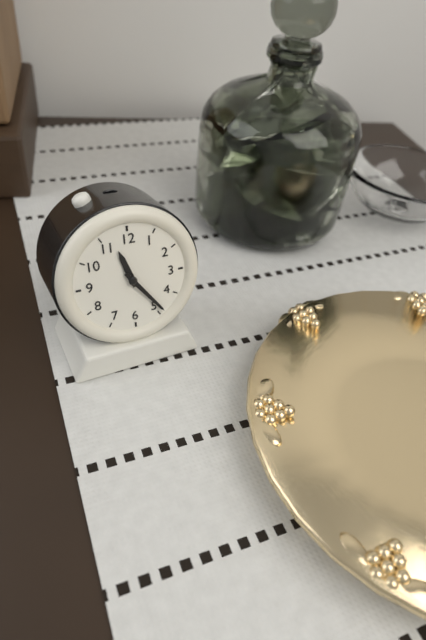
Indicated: **11:24**
